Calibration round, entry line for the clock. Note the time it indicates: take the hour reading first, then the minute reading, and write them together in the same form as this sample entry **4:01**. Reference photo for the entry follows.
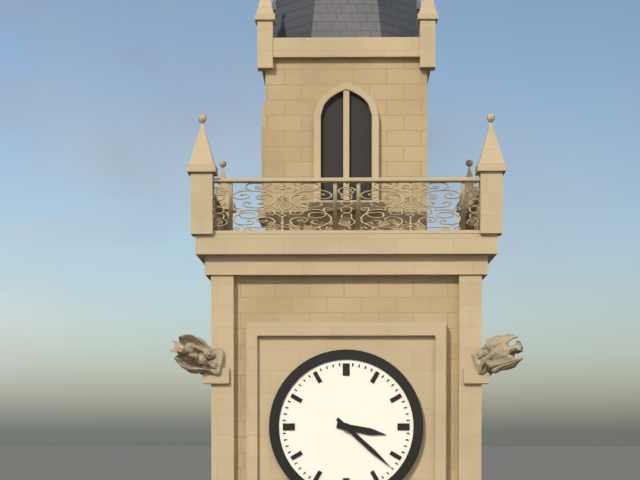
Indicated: **3:22**
